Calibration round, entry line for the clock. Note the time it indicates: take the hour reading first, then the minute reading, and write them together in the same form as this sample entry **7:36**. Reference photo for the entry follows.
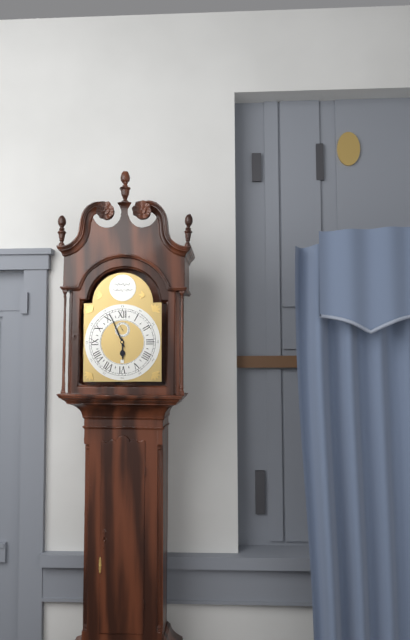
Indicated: **5:56**
